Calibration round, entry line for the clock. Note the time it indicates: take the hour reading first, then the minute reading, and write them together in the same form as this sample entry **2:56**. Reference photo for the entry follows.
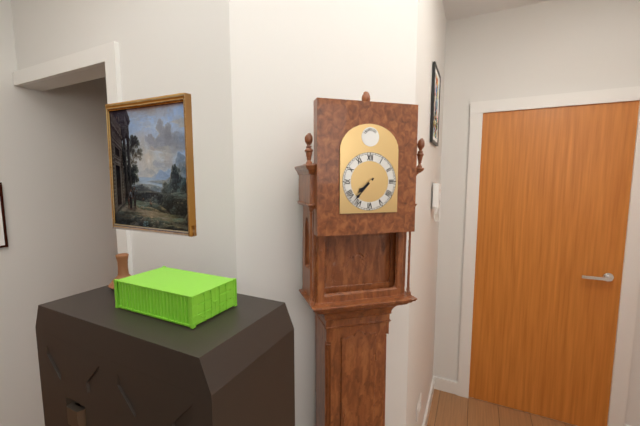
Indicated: **7:37**
